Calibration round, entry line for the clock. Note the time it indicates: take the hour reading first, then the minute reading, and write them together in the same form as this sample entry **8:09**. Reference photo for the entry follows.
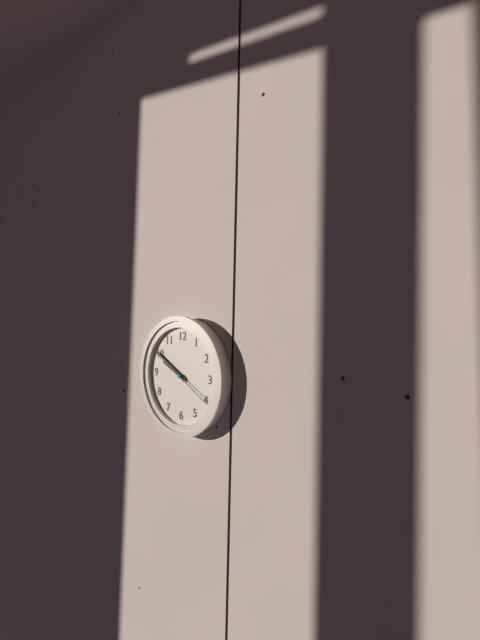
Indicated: **9:50**
